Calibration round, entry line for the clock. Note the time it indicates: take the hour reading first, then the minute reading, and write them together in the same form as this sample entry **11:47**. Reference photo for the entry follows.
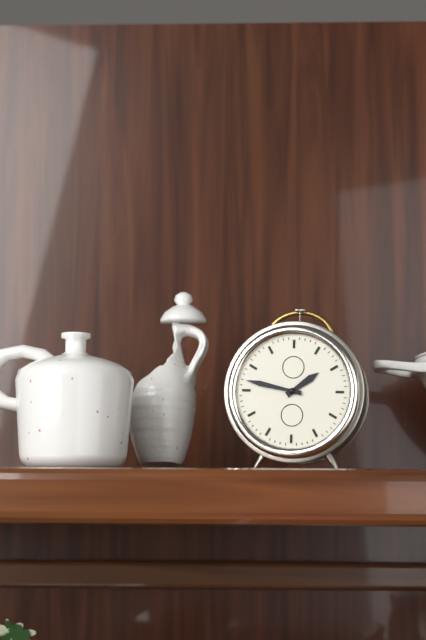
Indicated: **1:47**
